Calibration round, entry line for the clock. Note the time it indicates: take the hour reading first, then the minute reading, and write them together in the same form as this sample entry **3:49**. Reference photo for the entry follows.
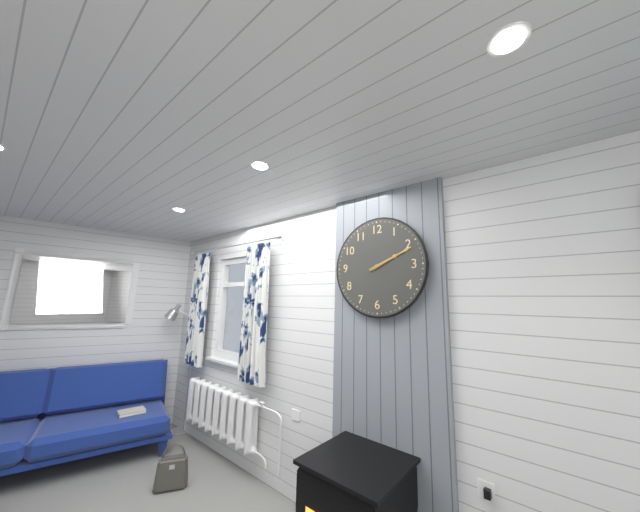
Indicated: **2:11**
